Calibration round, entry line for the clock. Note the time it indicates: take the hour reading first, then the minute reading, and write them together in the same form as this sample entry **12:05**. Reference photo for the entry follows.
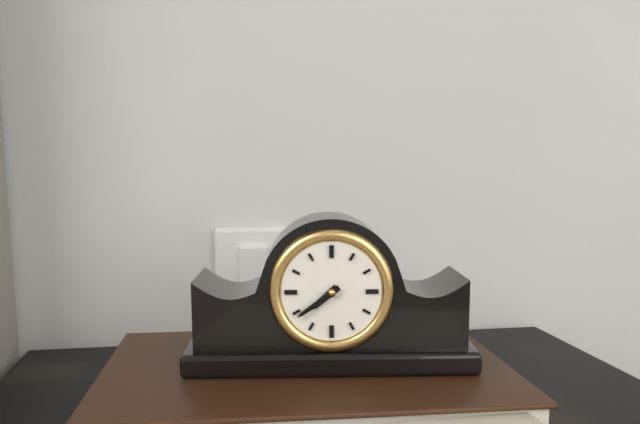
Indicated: **7:39**
